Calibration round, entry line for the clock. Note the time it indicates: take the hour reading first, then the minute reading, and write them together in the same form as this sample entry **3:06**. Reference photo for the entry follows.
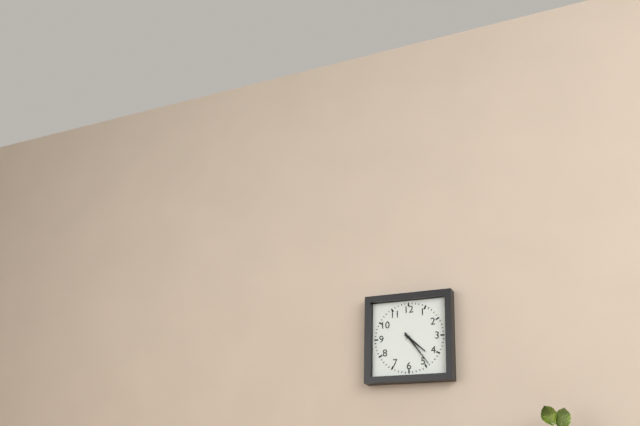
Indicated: **4:24**
